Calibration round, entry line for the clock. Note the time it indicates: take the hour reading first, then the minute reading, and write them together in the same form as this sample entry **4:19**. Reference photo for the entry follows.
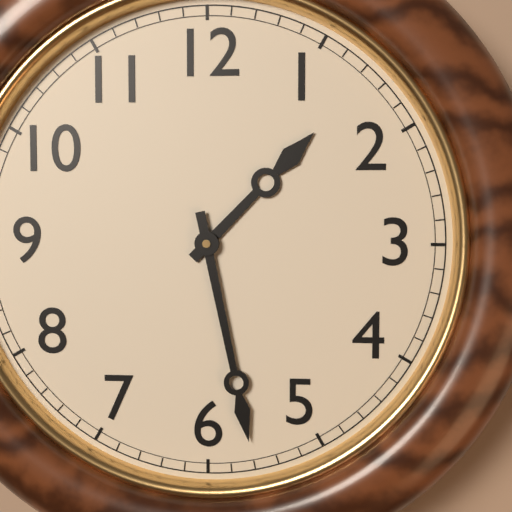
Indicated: **1:28**
